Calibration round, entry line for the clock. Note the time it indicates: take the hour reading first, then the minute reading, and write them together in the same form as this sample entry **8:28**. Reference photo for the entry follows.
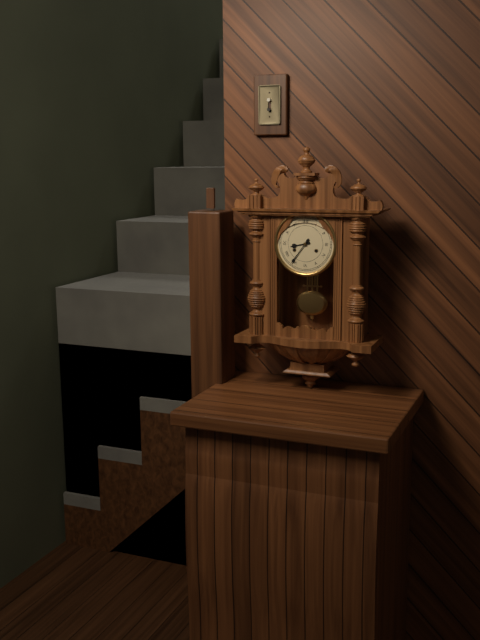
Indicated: **8:36**
